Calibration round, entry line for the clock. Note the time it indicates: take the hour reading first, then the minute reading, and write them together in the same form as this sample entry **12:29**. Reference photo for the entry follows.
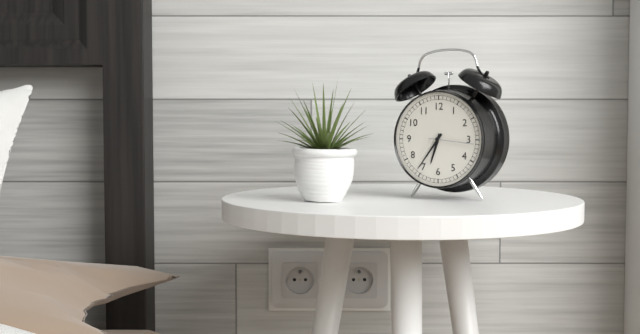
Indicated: **6:36**
